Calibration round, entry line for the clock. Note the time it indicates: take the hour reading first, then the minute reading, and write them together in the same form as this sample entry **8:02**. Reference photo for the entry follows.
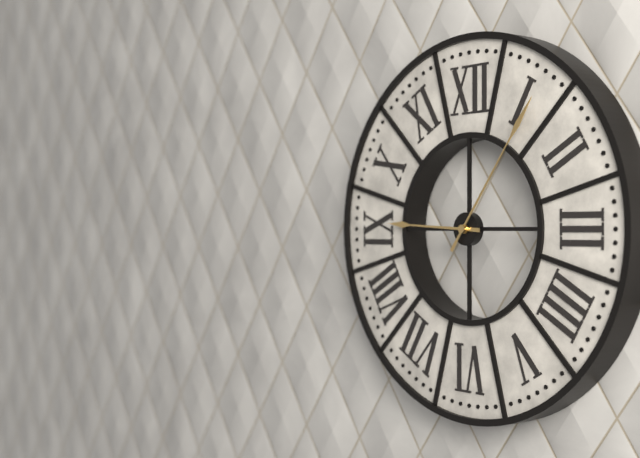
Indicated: **9:06**
